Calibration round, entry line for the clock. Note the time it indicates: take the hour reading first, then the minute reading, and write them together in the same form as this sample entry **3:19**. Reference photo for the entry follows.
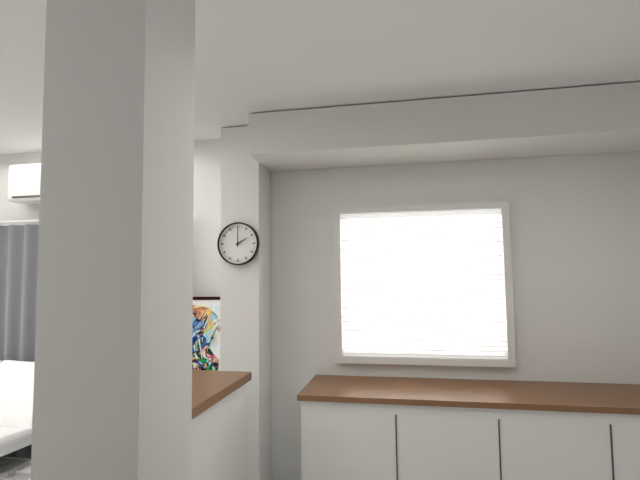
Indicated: **2:00**
